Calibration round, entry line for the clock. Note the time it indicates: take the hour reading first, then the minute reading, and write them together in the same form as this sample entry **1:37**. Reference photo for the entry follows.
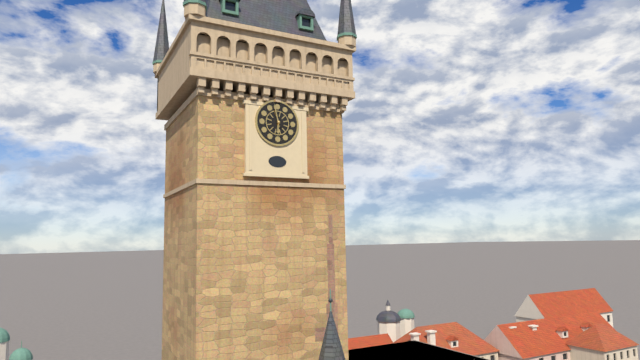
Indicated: **5:58**
